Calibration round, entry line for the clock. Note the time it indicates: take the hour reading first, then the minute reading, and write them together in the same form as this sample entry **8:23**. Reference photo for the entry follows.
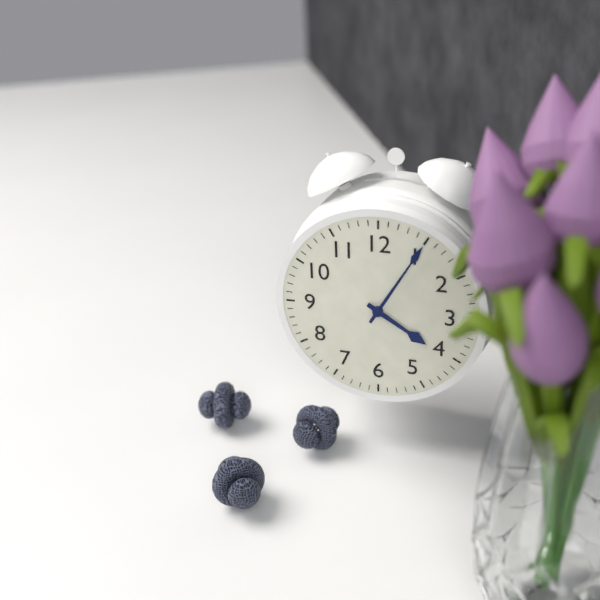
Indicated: **4:05**
